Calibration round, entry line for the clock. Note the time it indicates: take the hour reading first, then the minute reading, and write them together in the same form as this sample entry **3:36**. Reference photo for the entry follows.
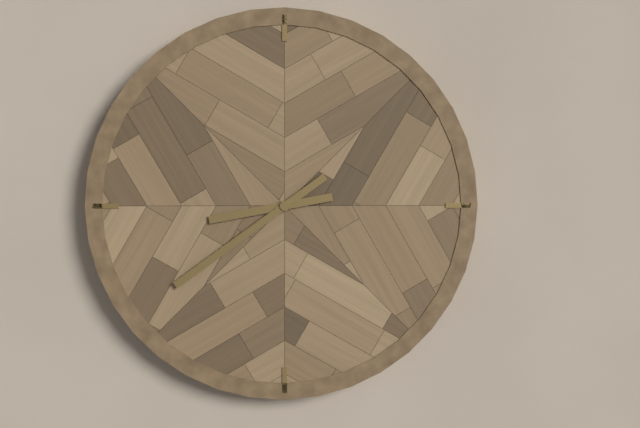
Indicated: **8:39**
